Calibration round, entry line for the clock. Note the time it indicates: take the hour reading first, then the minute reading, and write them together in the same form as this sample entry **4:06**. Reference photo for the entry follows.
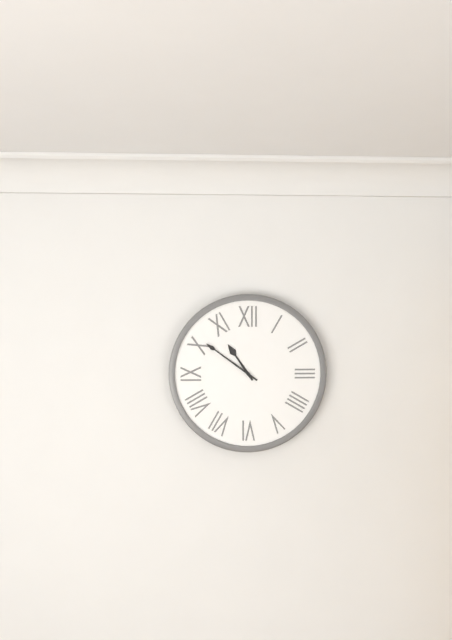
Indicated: **10:51**
